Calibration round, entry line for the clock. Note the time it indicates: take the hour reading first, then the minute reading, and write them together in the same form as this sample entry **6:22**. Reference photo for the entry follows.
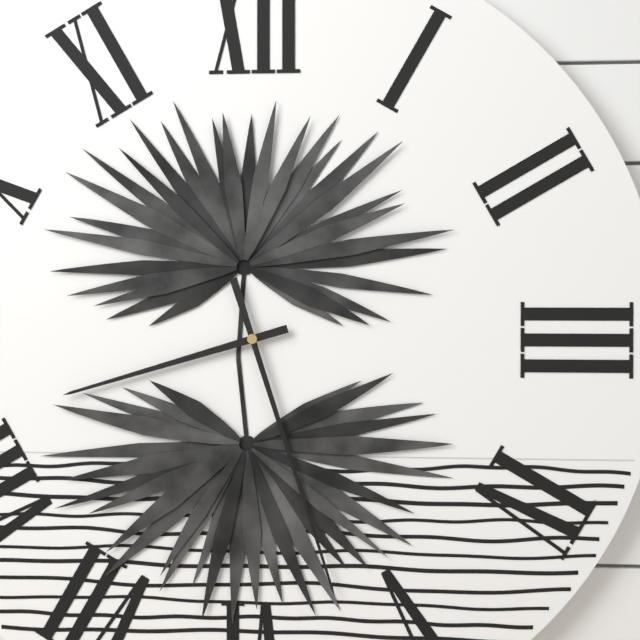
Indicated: **8:27**
